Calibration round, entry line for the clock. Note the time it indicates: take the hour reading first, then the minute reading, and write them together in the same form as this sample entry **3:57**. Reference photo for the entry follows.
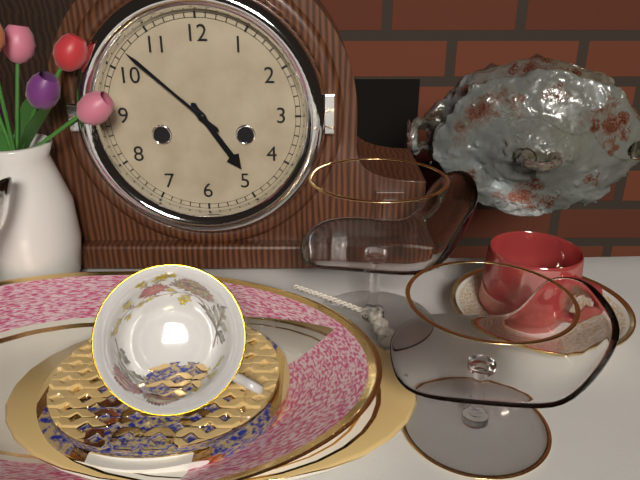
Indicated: **4:52**
